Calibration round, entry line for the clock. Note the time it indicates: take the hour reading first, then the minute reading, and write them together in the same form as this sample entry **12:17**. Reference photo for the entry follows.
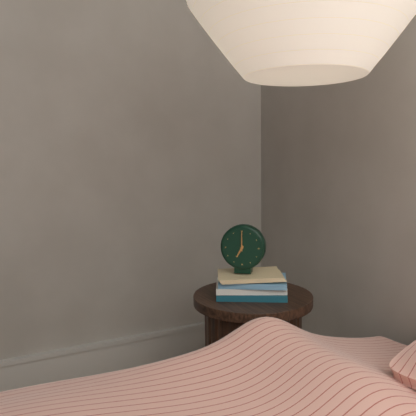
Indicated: **7:00**
